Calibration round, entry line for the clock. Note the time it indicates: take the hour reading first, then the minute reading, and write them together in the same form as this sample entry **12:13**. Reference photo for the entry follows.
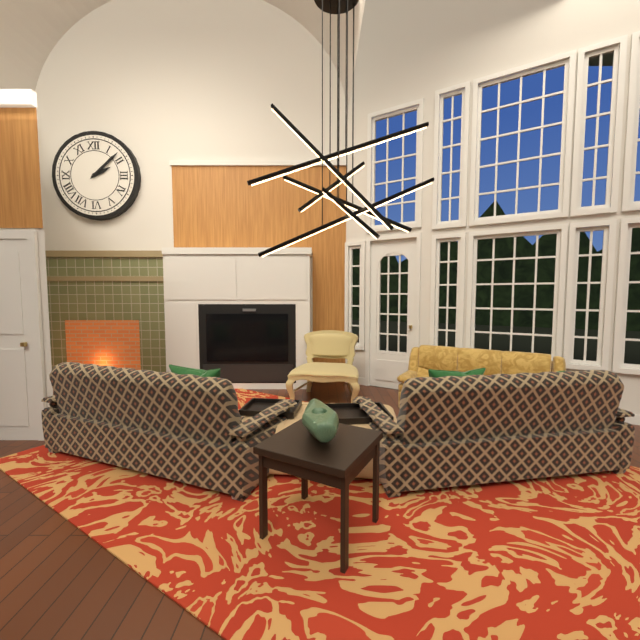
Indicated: **2:08**
